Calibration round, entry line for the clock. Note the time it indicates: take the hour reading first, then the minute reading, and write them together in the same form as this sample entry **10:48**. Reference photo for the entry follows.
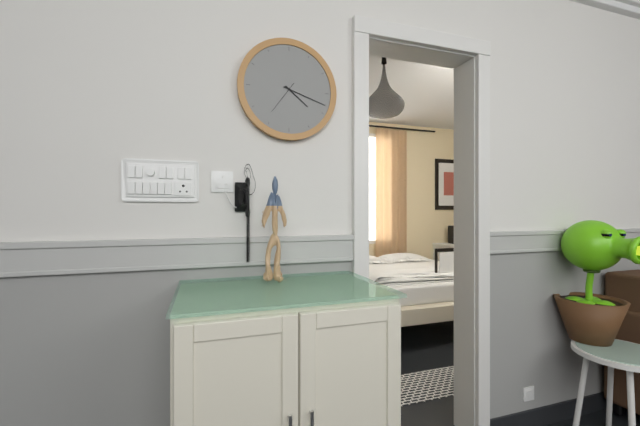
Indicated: **4:18**
